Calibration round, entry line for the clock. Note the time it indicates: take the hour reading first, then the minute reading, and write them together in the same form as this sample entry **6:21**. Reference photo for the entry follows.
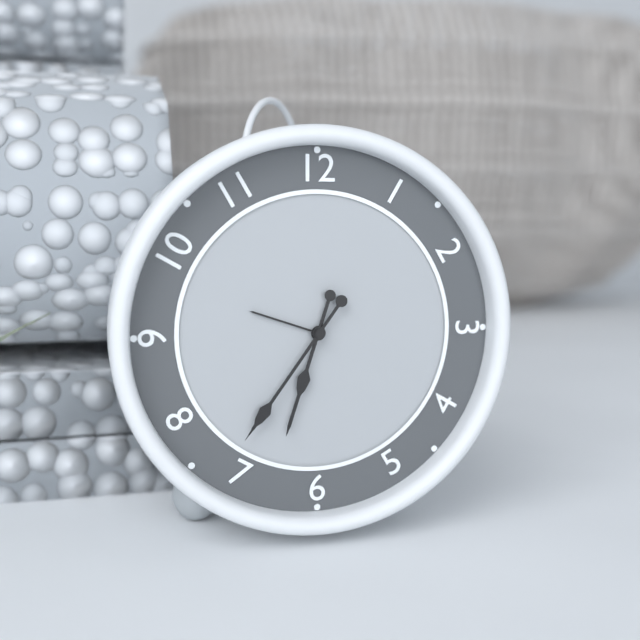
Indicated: **6:36**
